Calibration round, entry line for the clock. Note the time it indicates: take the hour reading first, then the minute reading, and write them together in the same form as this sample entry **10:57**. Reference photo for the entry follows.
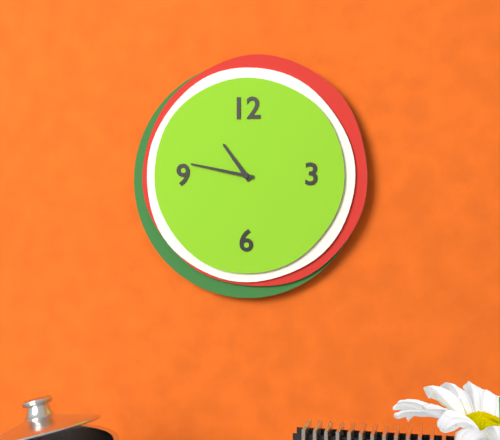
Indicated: **10:47**
